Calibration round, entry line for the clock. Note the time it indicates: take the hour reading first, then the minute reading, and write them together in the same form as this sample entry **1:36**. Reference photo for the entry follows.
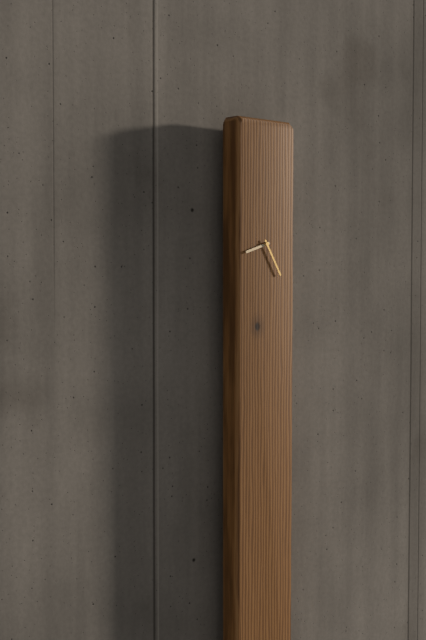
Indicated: **8:25**
